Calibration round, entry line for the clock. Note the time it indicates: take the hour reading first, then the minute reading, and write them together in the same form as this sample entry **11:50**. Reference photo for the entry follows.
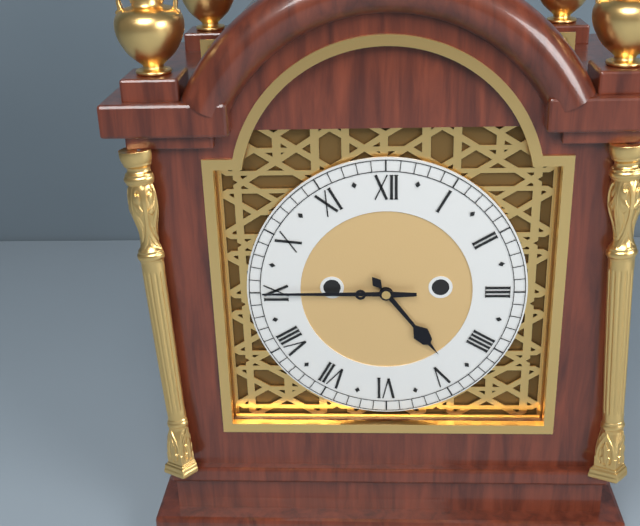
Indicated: **4:45**
